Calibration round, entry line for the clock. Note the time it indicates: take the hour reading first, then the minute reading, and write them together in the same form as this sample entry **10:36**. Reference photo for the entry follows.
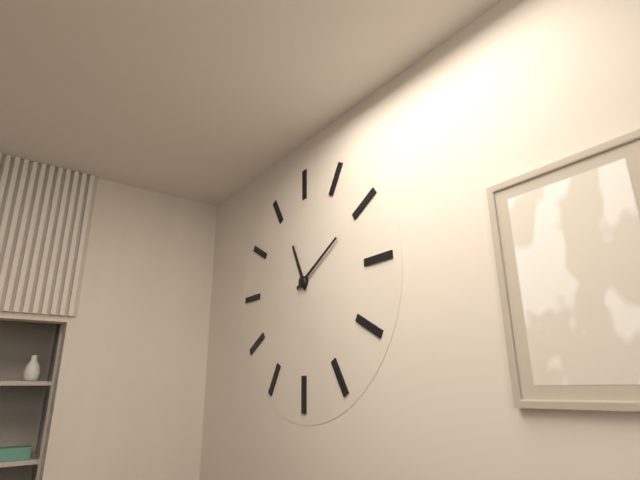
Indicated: **11:10**
